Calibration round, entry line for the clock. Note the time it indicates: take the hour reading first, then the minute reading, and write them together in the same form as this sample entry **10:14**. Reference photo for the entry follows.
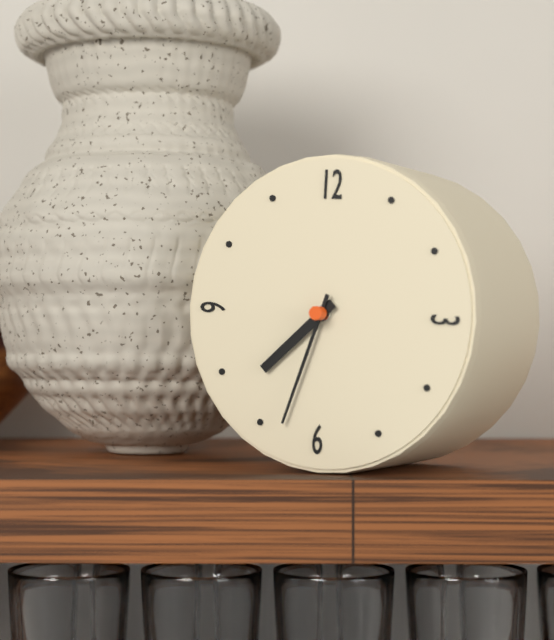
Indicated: **7:33**
